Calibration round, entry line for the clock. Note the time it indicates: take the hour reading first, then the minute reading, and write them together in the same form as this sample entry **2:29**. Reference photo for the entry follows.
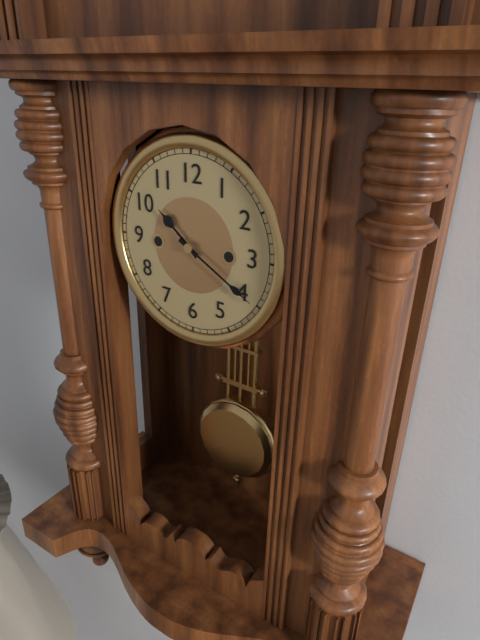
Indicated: **10:20**
